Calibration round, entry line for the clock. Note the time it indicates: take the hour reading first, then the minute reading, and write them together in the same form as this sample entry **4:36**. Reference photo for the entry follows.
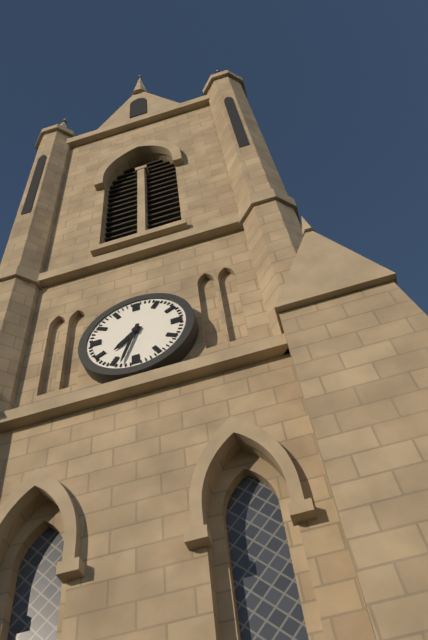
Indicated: **7:33**
